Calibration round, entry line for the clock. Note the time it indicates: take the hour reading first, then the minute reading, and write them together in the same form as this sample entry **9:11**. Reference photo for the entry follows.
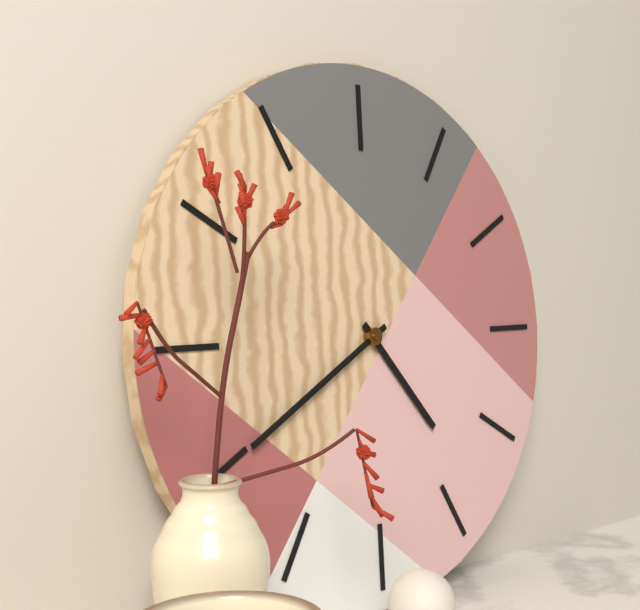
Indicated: **4:40**
